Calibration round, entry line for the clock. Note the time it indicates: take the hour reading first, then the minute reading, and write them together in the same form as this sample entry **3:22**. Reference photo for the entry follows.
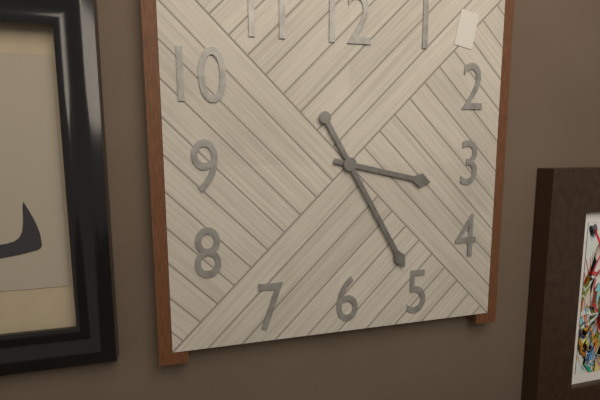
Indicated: **3:25**
